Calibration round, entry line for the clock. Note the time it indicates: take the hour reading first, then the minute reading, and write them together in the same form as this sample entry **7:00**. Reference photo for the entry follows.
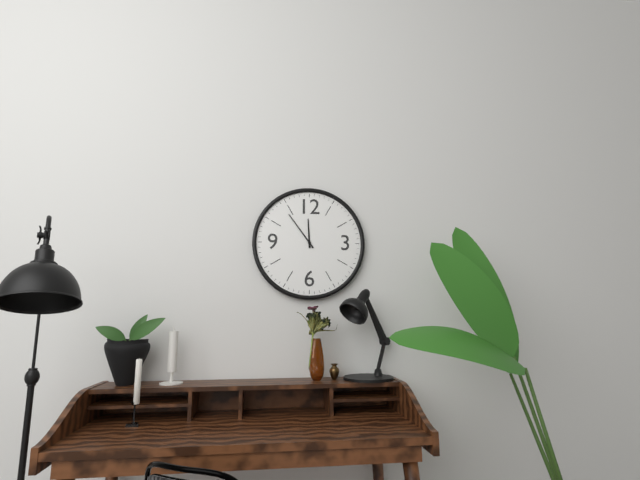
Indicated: **11:54**
